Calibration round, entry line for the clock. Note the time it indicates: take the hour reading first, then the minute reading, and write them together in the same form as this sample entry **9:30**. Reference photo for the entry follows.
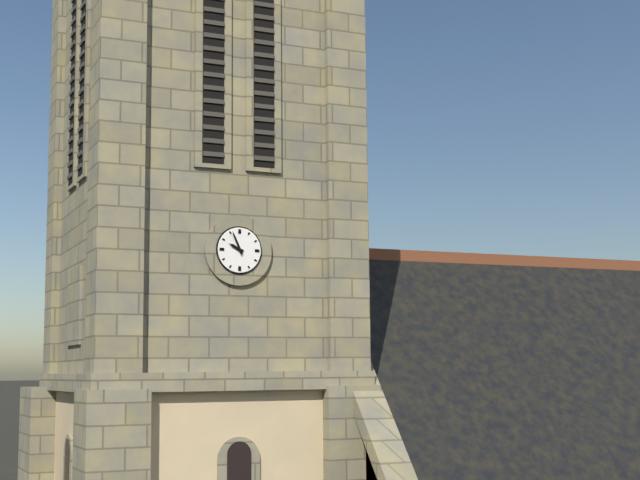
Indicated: **9:56**
